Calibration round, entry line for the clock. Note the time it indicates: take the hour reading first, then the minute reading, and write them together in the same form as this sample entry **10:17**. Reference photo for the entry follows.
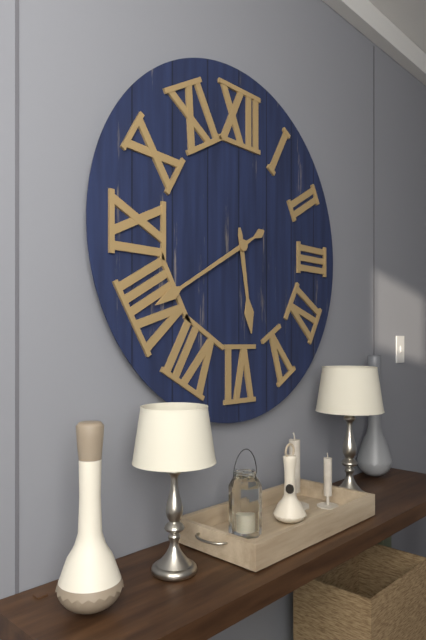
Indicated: **5:40**
